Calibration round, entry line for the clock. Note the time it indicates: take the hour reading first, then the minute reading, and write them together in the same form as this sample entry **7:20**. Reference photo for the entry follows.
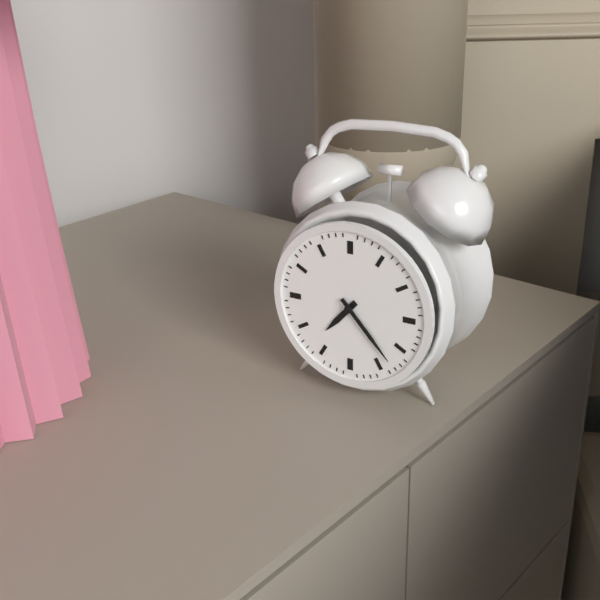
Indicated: **7:23**
